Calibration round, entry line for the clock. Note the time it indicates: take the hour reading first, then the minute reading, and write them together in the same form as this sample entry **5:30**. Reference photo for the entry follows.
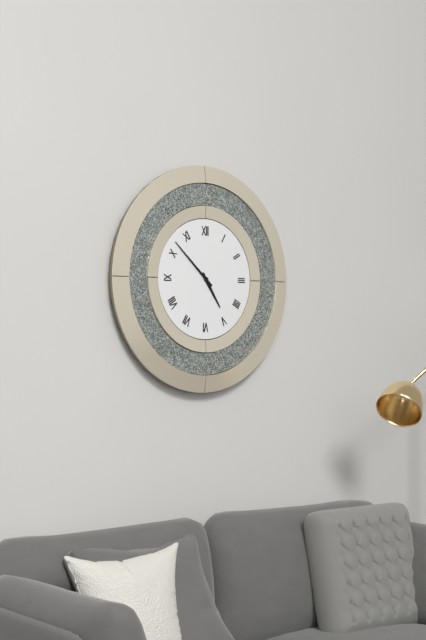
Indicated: **4:52**
